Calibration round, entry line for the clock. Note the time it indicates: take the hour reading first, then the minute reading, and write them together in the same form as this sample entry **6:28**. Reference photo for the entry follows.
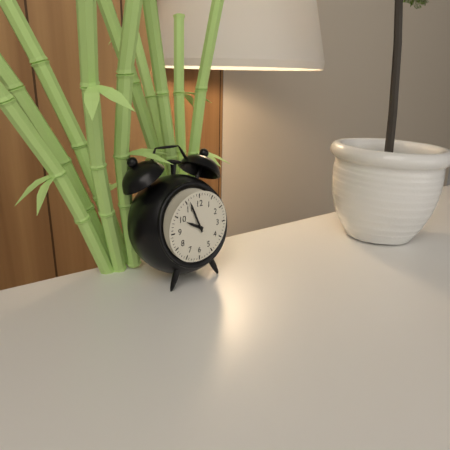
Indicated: **9:56**
